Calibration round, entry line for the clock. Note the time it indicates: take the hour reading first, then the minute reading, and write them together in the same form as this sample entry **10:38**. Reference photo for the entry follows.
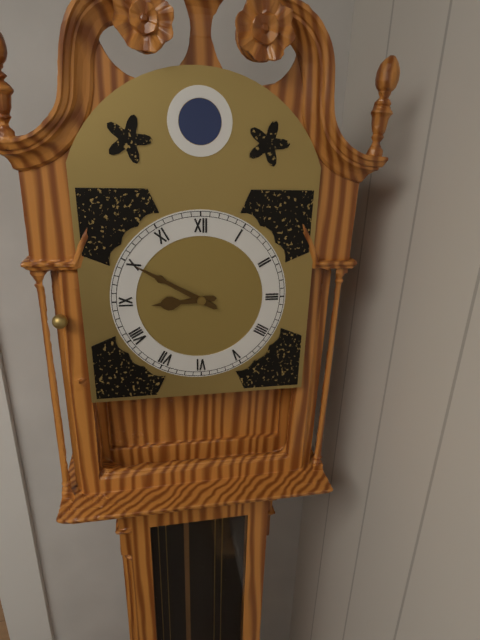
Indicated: **8:50**
